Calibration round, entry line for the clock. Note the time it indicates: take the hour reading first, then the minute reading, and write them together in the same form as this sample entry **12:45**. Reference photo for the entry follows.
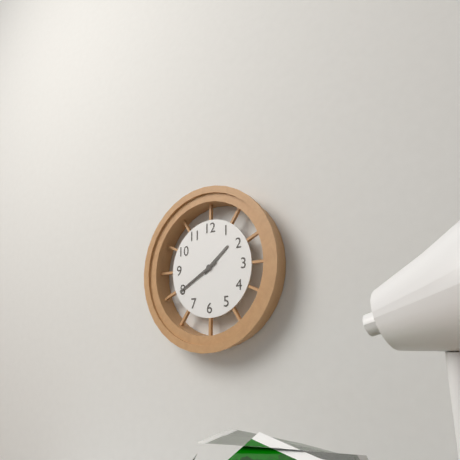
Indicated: **1:40**
